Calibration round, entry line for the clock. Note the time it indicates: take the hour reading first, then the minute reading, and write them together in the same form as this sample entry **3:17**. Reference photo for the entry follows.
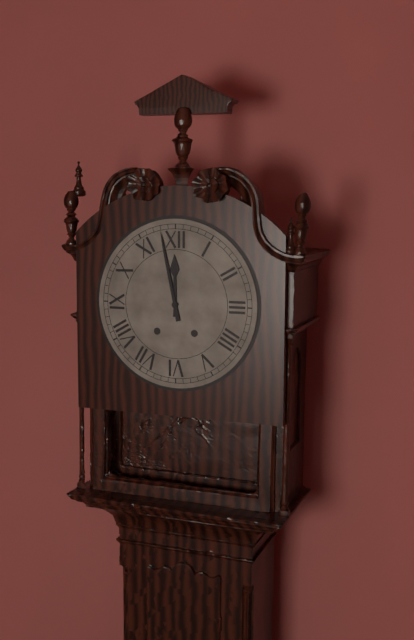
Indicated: **11:58**
